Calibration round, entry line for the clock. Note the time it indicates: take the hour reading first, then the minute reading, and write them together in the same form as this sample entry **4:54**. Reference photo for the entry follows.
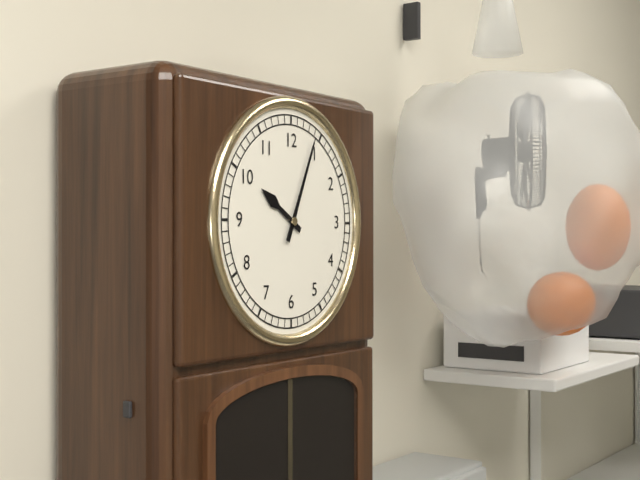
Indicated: **10:04**
